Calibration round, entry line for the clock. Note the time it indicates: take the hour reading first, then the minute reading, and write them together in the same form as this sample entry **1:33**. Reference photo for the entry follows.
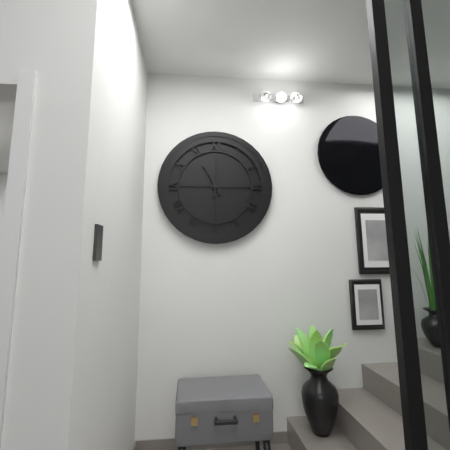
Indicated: **11:02**
